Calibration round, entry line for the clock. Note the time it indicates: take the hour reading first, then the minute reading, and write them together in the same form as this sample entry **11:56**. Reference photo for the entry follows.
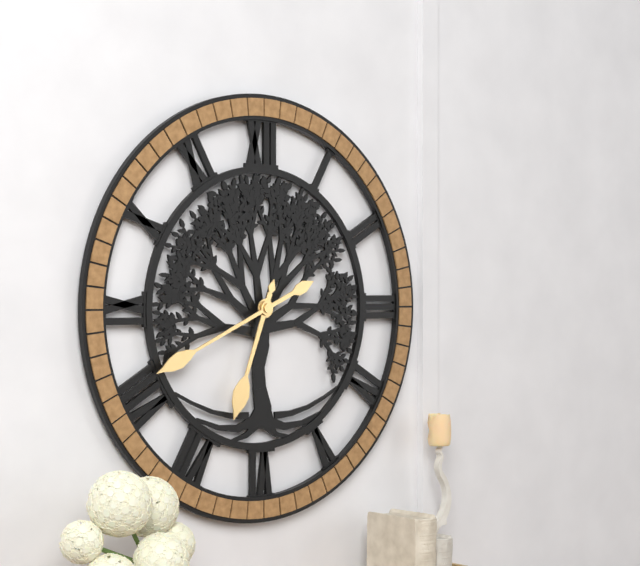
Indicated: **6:41**
